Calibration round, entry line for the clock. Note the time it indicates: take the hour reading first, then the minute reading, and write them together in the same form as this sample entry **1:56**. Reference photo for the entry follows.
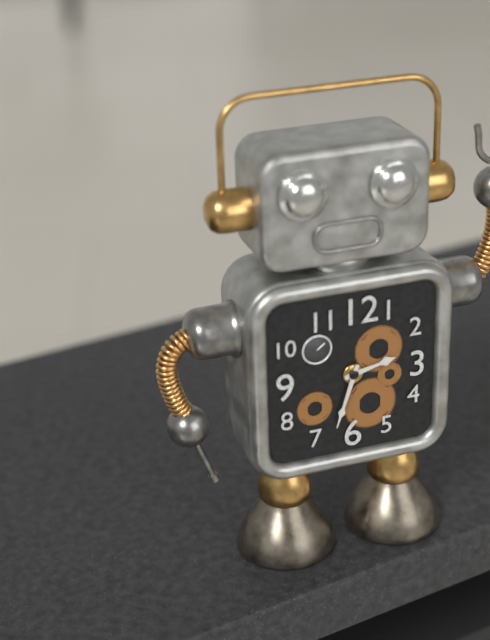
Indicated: **2:33**
